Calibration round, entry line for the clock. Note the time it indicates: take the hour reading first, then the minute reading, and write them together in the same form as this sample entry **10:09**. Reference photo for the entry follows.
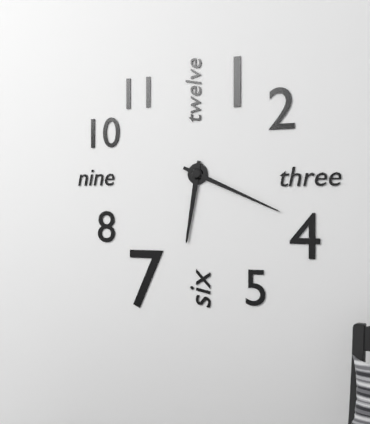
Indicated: **6:19**
